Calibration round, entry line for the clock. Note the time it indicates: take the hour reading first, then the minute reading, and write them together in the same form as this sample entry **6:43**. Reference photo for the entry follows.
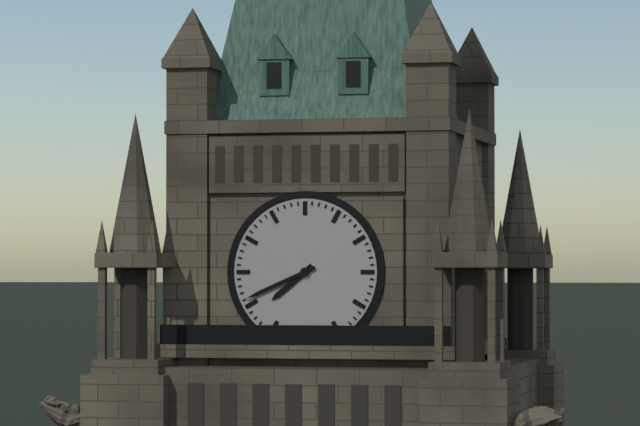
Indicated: **7:41**
